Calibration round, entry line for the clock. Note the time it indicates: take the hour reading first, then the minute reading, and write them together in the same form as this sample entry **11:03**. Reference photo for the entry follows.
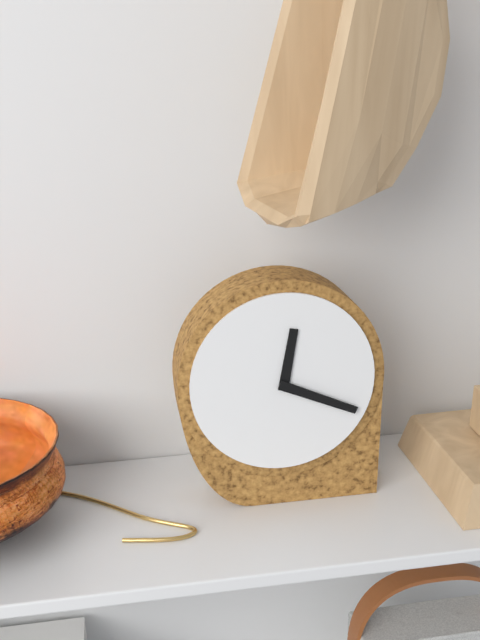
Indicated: **12:19**
